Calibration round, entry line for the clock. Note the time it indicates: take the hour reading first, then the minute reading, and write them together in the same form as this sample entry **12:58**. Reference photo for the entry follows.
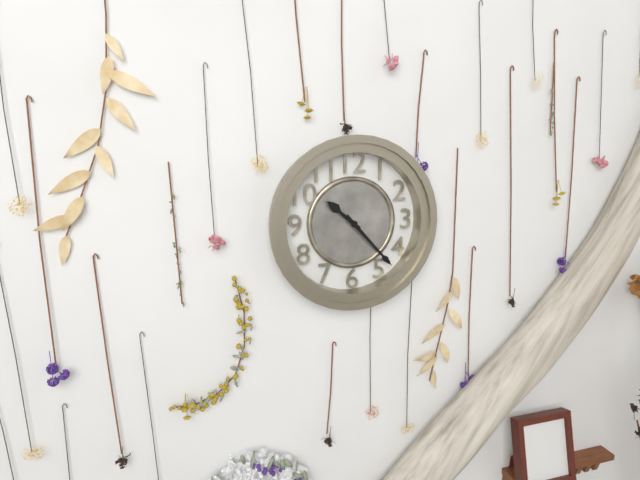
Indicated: **10:23**
